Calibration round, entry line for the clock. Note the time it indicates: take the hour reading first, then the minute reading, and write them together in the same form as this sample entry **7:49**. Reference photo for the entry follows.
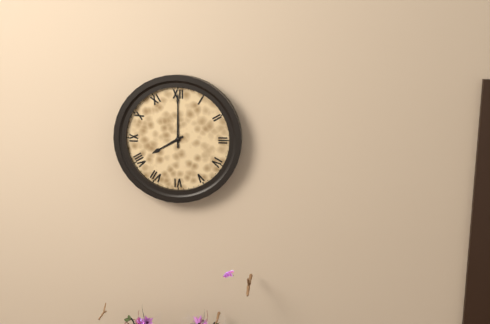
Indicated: **8:00**
